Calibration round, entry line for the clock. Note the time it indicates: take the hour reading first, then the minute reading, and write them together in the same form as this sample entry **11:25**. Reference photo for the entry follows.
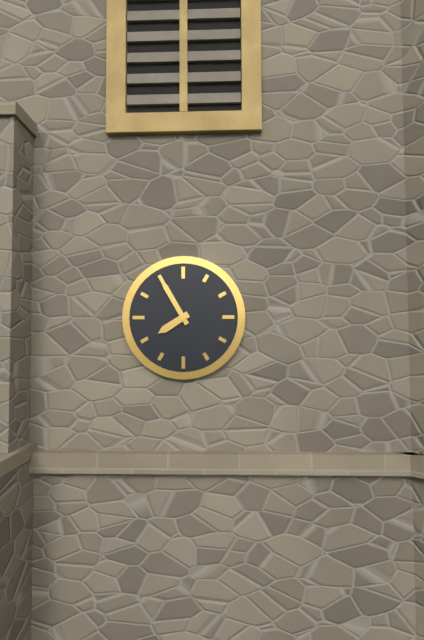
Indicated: **7:55**
